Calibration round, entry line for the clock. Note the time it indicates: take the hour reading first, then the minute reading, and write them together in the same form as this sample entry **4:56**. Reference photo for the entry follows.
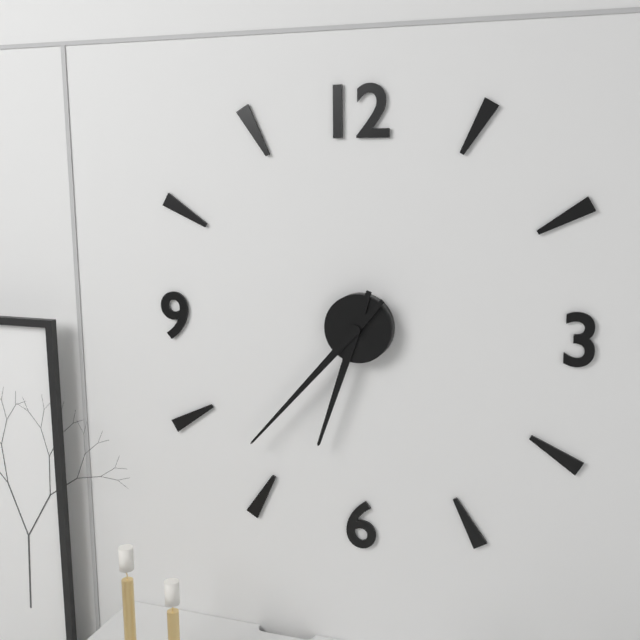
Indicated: **6:37**
